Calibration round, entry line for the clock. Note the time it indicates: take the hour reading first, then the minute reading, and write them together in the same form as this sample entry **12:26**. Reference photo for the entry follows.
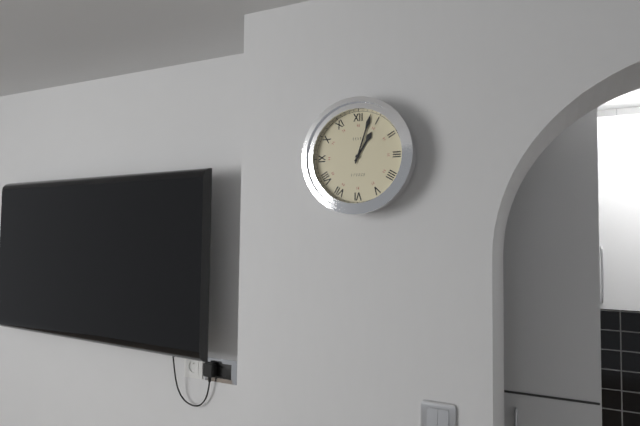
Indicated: **1:03**
